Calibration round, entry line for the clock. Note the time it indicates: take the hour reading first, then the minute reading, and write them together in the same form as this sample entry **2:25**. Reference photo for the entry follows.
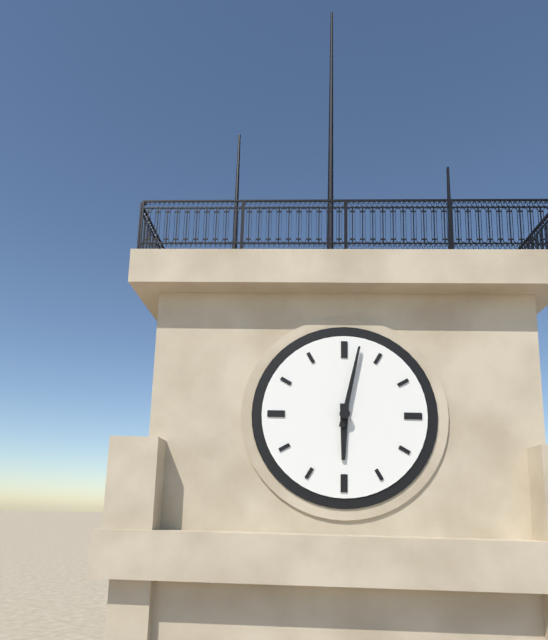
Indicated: **6:02**
